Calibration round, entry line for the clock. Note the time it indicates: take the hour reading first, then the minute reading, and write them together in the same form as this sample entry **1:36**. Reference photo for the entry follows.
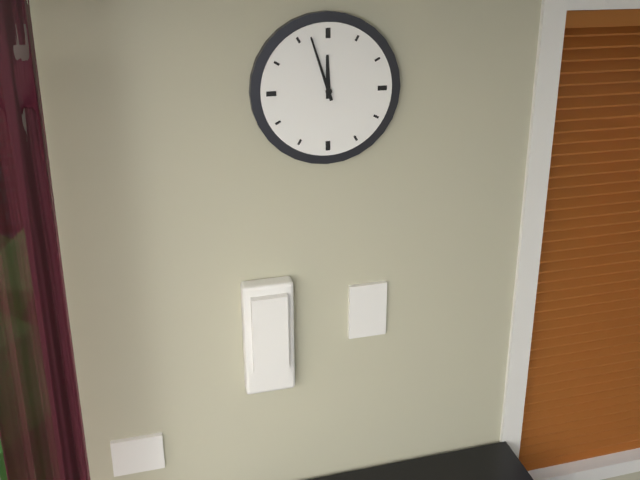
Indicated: **11:57**
